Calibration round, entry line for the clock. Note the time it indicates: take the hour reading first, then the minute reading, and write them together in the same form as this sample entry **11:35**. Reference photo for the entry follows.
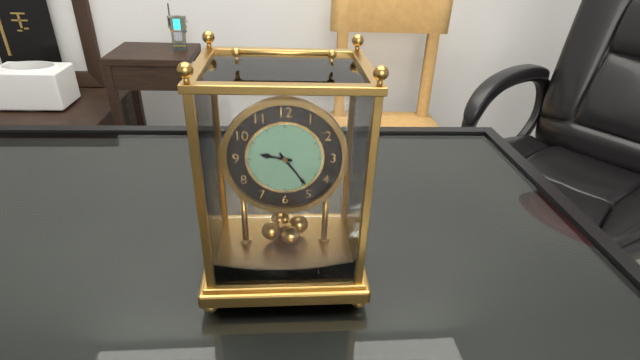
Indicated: **9:24**
